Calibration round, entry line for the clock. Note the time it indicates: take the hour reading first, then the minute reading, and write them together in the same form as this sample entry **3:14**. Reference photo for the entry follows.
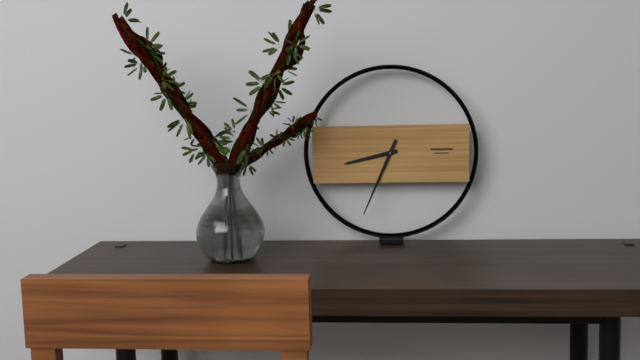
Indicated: **8:34**
